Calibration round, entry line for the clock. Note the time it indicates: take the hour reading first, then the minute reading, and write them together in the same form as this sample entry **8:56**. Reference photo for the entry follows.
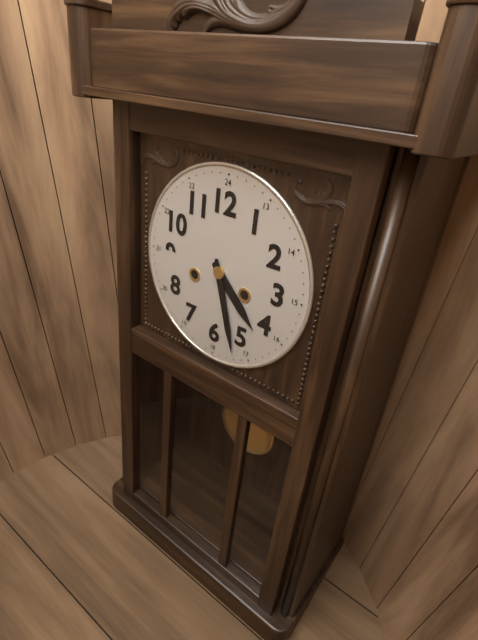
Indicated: **4:27**
